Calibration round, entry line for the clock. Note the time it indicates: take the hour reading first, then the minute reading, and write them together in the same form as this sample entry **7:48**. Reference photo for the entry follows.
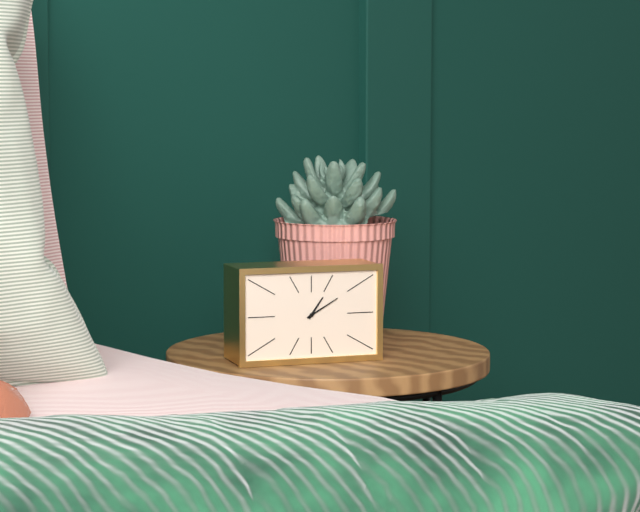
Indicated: **1:10**
